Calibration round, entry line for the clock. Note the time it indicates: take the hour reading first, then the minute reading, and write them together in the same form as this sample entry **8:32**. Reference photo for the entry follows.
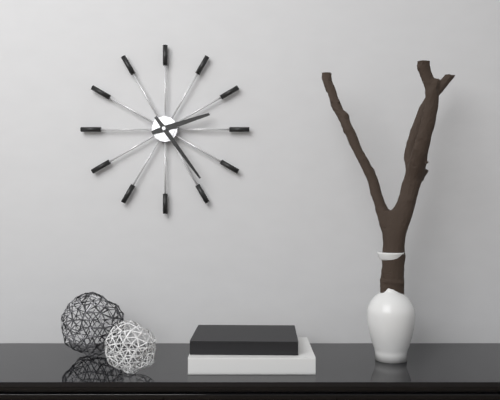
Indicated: **2:24**
